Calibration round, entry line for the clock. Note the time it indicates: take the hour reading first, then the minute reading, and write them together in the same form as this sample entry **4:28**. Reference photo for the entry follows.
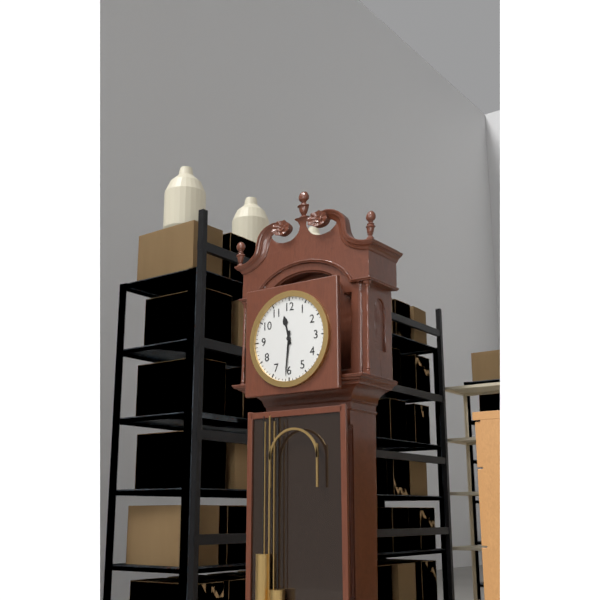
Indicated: **11:31**
